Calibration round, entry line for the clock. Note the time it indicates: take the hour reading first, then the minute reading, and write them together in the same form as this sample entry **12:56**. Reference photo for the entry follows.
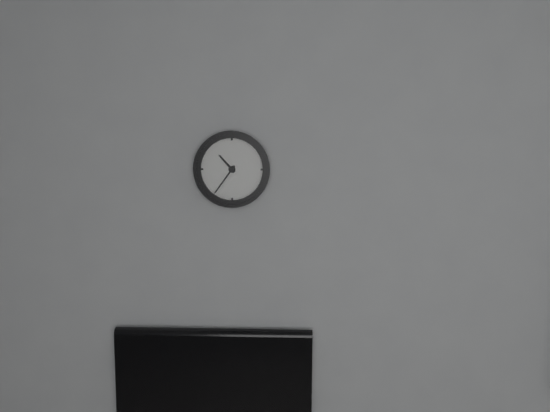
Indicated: **10:36**
